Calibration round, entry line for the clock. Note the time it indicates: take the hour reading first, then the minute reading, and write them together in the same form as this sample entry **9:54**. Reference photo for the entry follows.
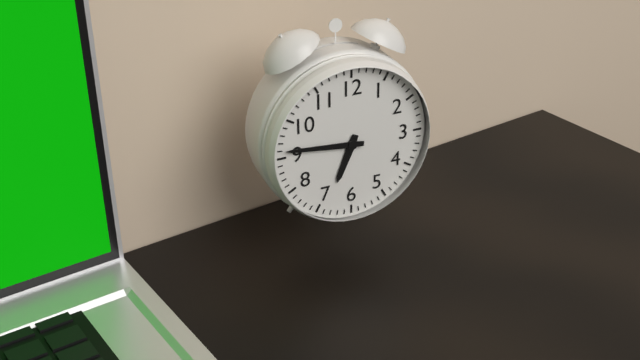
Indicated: **6:46**
